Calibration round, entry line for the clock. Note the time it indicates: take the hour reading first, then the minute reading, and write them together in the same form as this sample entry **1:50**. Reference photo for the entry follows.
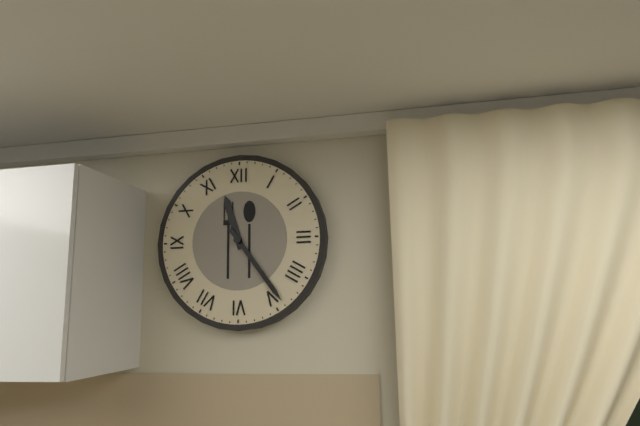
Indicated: **11:24**
